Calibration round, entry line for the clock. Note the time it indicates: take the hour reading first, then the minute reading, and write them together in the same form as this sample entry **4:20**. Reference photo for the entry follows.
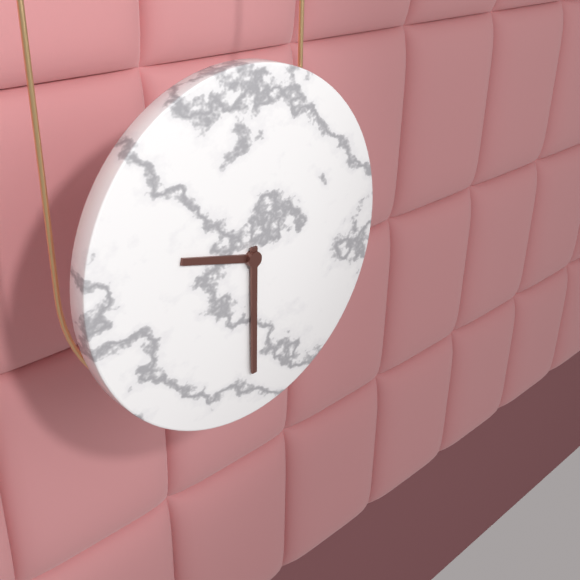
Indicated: **9:30**
